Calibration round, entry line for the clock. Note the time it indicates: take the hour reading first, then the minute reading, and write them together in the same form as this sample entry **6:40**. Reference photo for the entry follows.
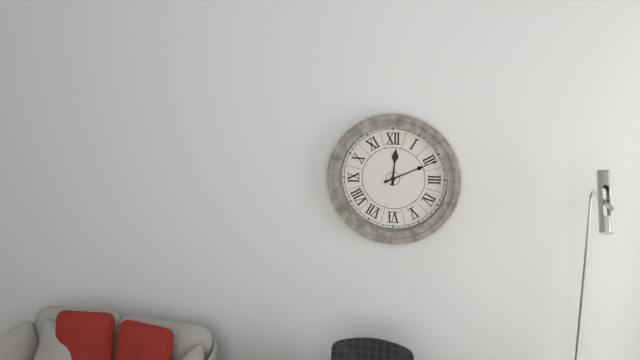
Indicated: **12:11**
